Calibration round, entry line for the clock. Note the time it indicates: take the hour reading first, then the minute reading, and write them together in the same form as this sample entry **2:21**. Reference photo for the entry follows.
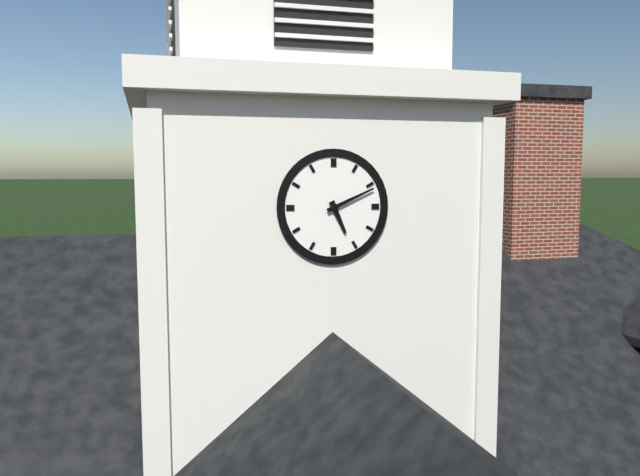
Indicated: **5:11**
